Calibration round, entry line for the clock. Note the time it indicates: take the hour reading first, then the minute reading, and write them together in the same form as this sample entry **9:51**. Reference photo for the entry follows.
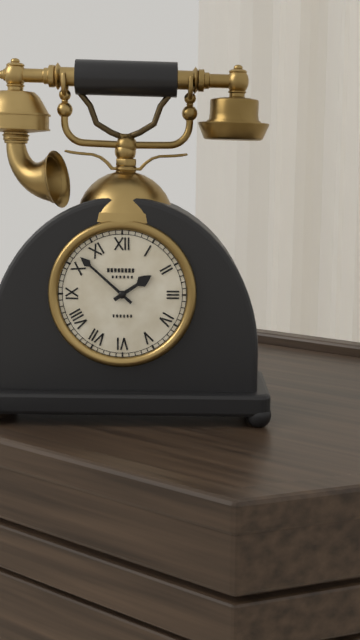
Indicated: **1:52**
